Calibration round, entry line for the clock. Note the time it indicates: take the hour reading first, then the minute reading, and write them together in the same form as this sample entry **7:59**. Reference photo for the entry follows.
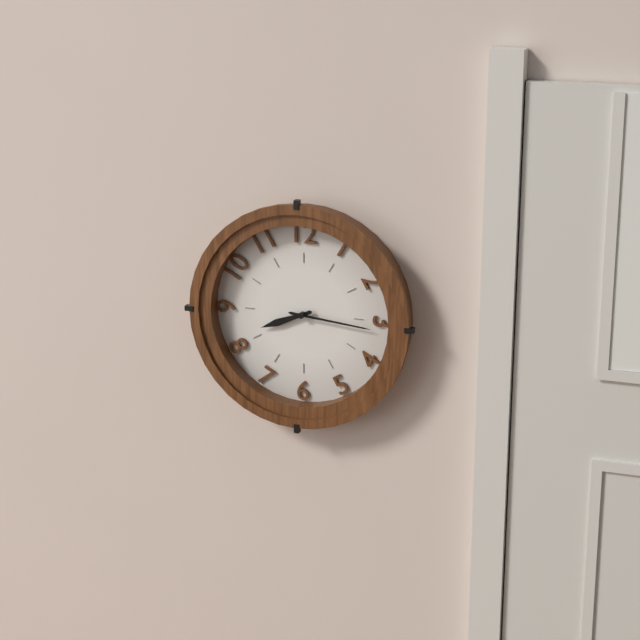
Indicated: **8:16**
